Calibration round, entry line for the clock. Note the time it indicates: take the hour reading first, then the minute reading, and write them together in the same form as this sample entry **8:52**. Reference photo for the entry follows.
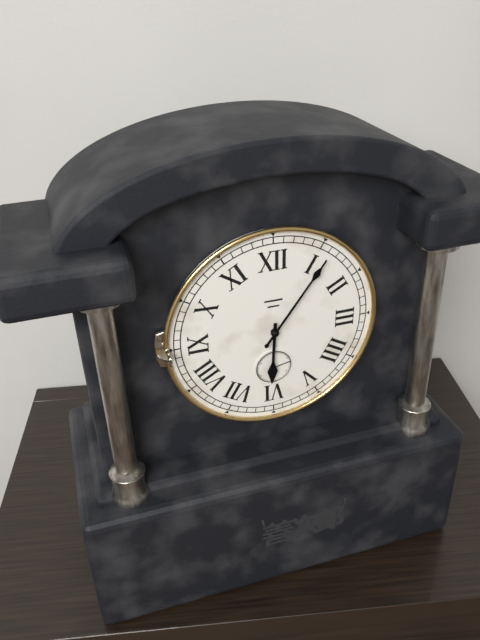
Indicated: **6:06**
